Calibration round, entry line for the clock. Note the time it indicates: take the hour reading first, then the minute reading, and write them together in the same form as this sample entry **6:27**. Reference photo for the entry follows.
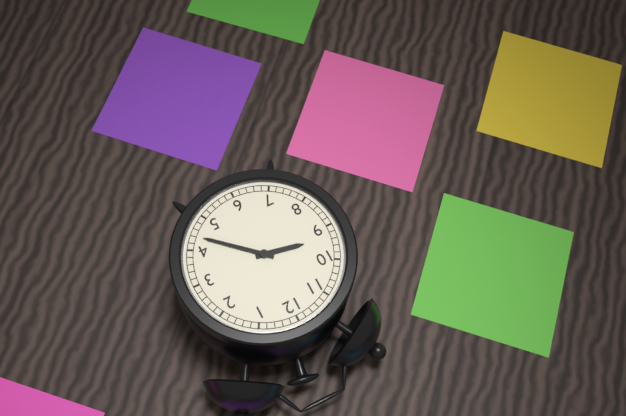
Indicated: **9:22**
